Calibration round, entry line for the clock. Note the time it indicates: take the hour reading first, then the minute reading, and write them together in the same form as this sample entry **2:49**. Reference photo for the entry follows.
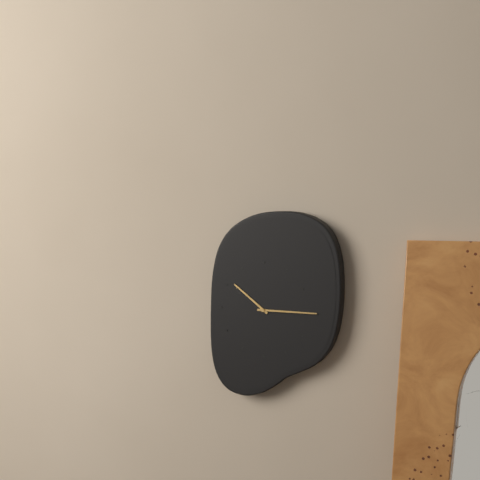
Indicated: **10:15**
